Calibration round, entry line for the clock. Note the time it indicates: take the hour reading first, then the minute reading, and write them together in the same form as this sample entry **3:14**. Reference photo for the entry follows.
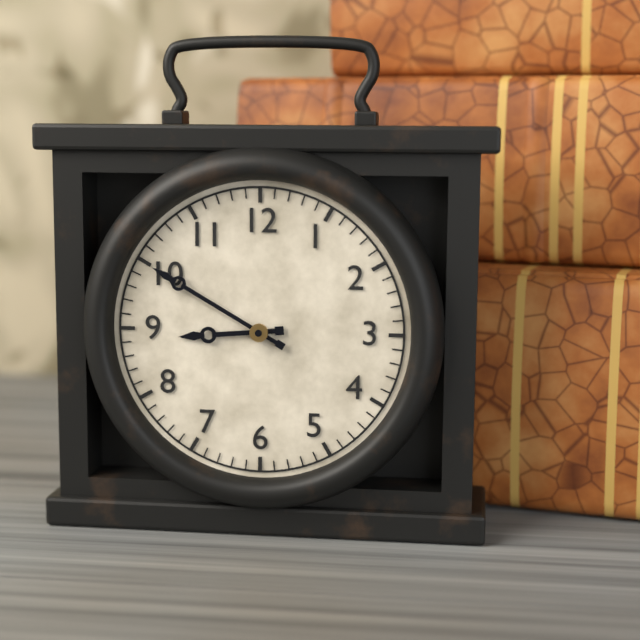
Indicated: **8:50**
